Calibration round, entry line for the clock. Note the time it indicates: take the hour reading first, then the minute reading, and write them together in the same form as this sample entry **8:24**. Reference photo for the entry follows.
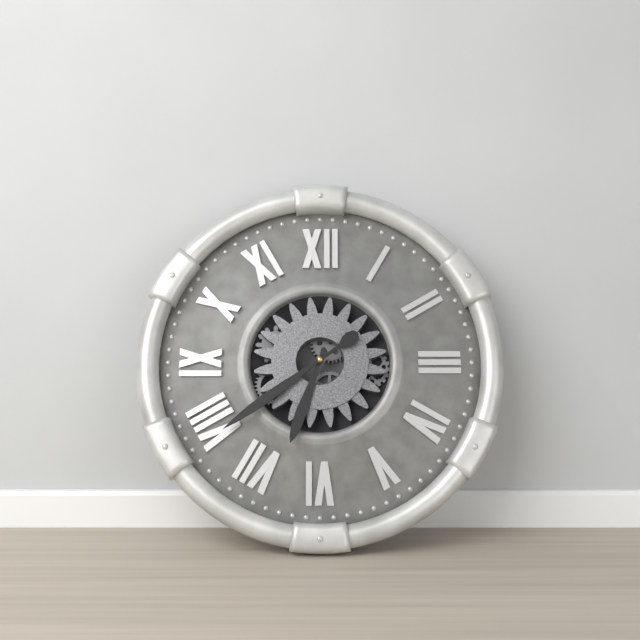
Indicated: **6:39**
